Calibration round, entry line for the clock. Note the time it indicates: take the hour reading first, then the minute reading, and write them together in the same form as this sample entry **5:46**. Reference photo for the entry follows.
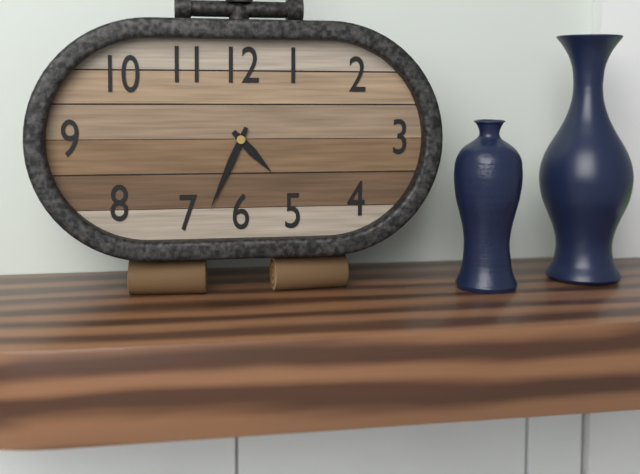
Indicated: **4:34**
